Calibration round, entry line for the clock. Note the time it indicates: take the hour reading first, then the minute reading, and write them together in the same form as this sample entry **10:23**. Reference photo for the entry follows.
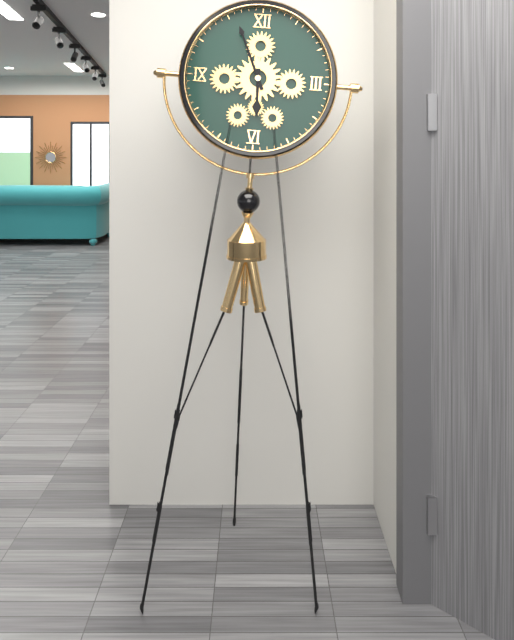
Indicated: **5:56**
